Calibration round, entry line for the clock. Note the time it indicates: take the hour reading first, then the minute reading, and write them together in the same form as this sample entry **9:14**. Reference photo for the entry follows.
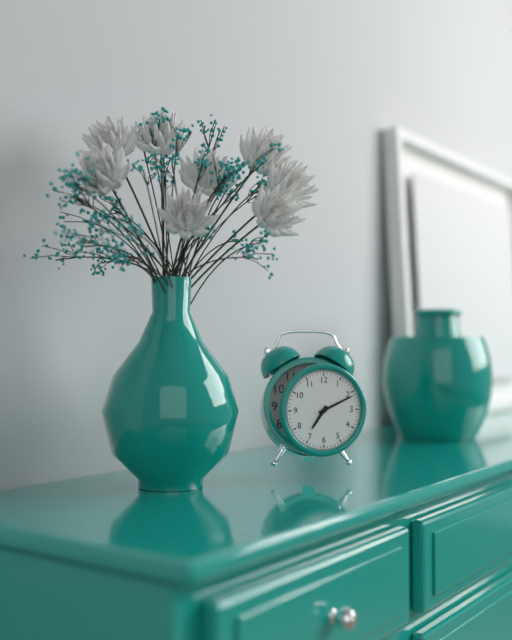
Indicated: **7:11**
